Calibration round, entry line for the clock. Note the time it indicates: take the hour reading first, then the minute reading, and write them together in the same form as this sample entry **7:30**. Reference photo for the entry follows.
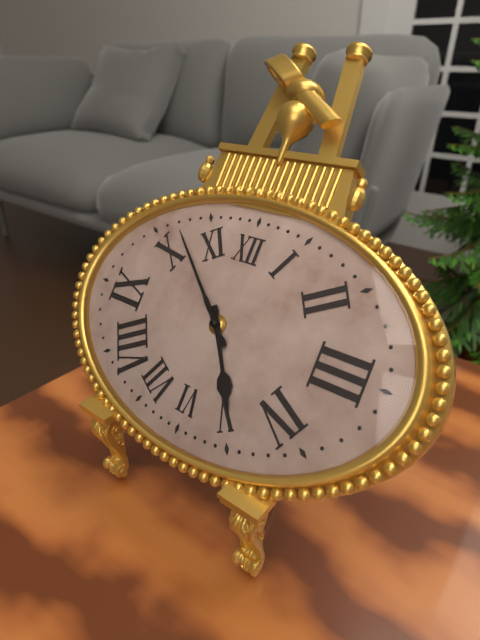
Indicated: **4:52**
